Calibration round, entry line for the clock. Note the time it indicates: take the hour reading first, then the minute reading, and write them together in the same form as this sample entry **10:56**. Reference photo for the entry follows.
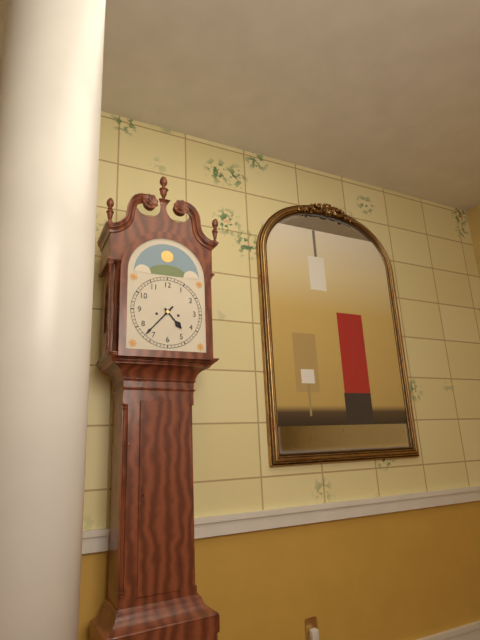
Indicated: **4:37**
